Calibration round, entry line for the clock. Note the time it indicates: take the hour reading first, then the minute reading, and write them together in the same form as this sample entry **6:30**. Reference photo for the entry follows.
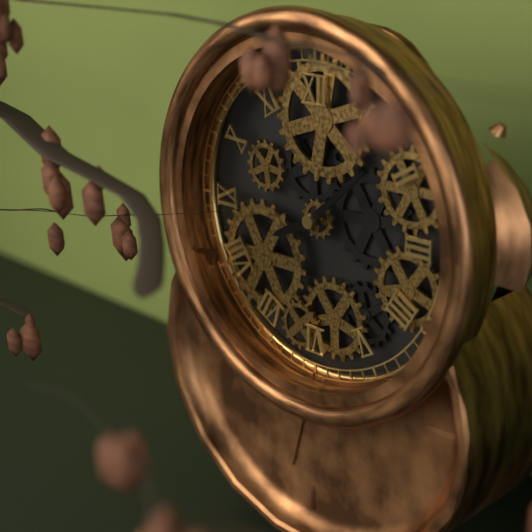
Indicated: **8:08**
